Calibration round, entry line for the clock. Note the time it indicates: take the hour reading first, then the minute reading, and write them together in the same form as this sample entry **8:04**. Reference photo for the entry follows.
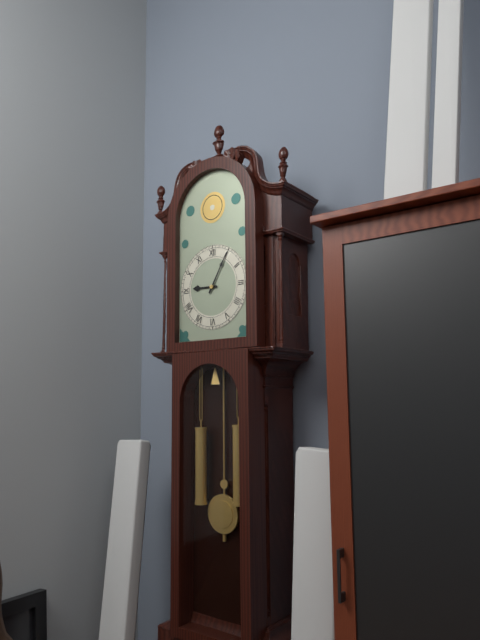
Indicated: **9:05**
